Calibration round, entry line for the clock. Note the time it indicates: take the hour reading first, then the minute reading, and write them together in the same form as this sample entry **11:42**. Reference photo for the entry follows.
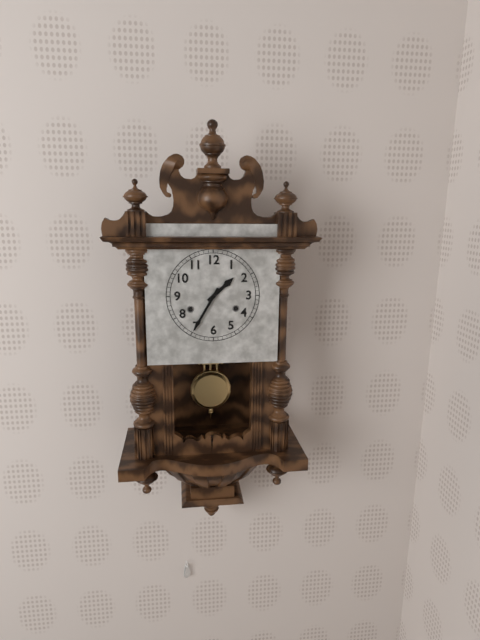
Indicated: **1:35**
